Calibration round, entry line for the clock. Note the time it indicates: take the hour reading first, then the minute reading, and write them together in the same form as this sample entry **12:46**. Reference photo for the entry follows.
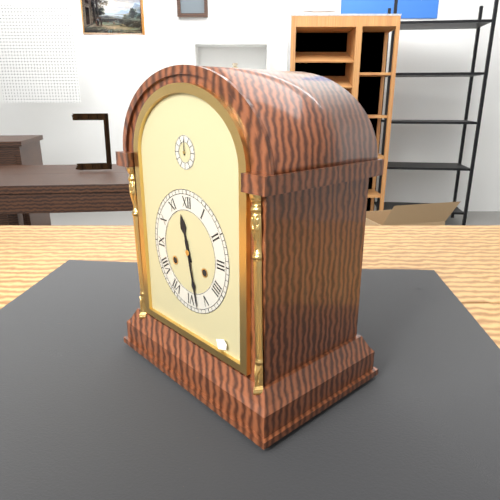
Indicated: **11:28**
